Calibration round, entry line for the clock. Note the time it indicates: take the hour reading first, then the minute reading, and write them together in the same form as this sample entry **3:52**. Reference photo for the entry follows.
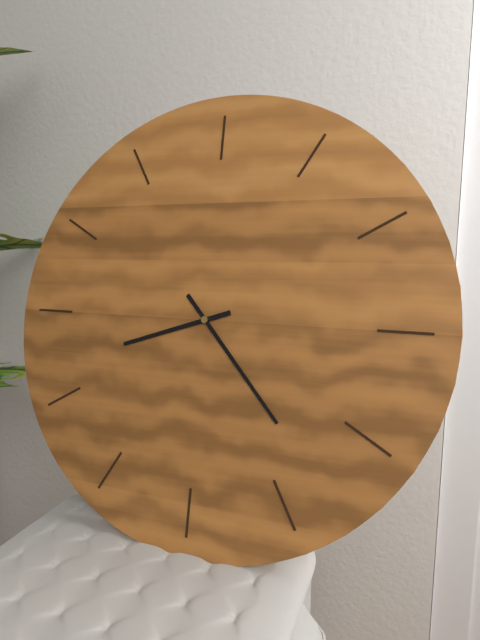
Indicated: **8:23**
